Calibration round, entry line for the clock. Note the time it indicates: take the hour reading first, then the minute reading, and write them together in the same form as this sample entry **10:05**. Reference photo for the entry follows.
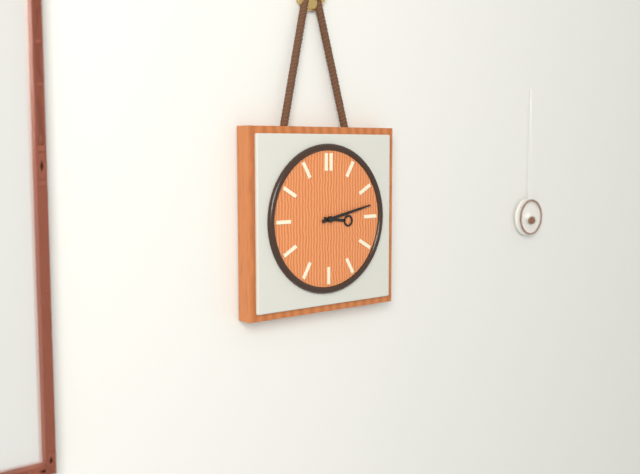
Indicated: **3:13**
